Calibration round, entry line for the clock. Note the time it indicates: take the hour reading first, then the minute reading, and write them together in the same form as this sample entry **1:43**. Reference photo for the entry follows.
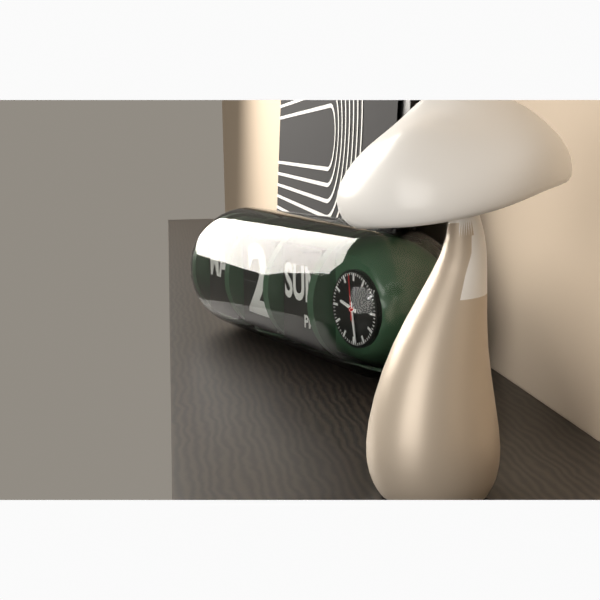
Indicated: **9:28**
